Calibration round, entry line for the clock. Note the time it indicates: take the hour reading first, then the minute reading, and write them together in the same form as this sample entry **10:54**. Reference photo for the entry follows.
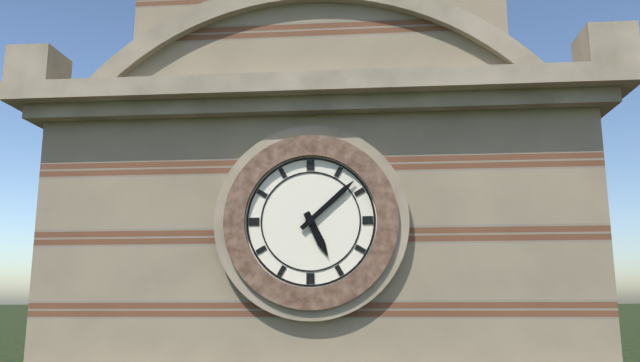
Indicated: **5:08**
